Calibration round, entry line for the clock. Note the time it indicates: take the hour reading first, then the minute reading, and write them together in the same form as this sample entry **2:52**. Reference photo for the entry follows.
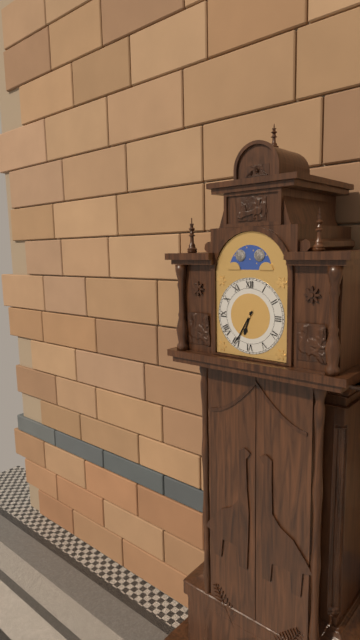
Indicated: **6:35**
